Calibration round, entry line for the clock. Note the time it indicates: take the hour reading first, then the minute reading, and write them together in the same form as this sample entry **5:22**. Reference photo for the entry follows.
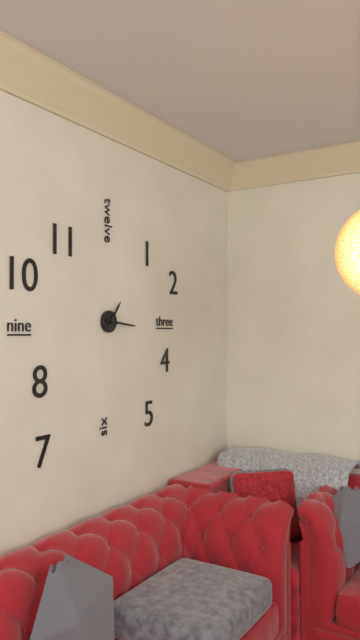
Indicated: **1:16**
